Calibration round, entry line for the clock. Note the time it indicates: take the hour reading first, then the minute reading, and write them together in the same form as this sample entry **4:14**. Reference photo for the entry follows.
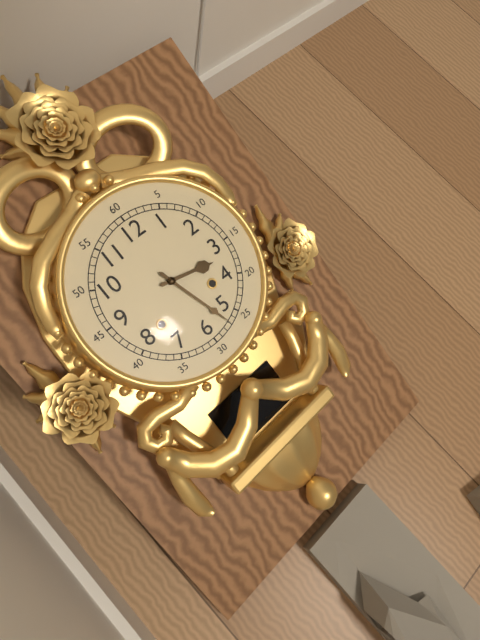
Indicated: **3:27**
